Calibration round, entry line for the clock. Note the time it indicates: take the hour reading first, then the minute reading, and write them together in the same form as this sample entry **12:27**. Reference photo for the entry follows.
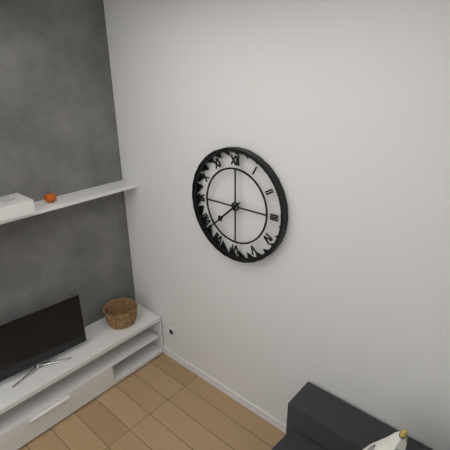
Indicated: **7:38**
